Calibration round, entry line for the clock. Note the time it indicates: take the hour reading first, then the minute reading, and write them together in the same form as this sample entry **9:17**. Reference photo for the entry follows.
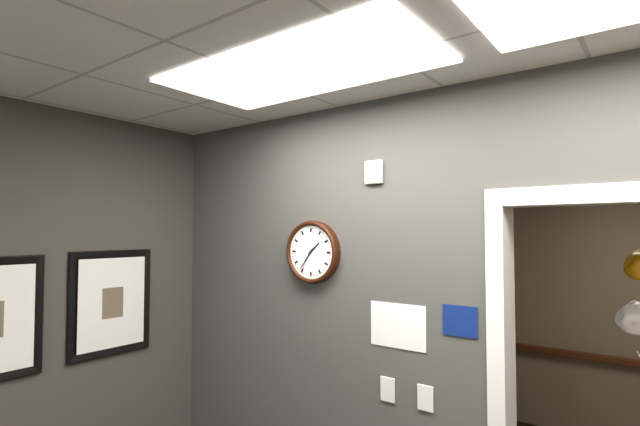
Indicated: **1:36**
